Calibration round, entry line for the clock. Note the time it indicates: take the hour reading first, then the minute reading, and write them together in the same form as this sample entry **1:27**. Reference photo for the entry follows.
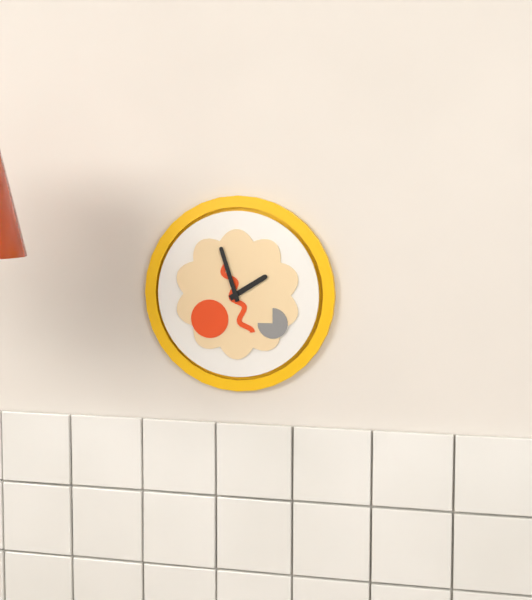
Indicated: **1:57**
